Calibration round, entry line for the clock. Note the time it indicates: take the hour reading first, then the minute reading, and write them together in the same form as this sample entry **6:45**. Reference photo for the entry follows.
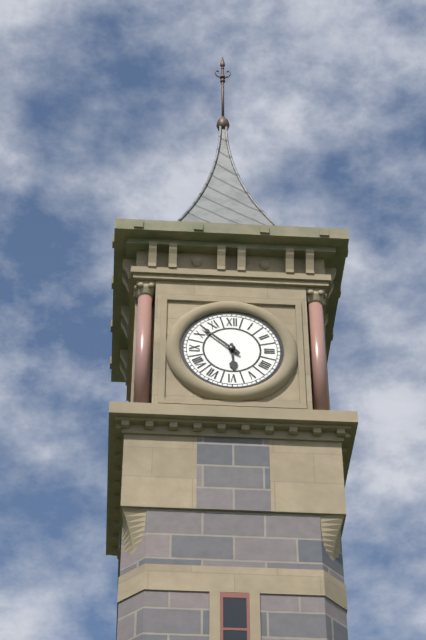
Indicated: **5:52**
